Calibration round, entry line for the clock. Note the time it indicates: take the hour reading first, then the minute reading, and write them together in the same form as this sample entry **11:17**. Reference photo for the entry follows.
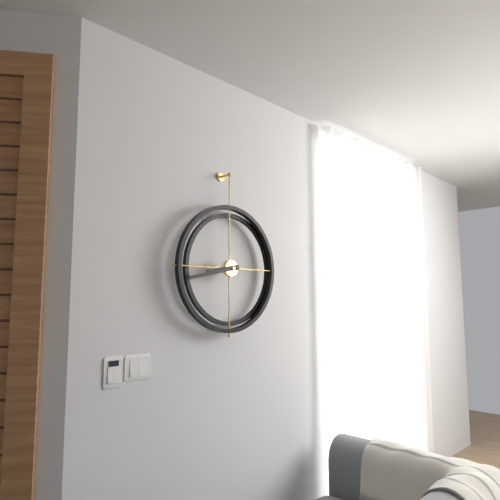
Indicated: **8:43**
